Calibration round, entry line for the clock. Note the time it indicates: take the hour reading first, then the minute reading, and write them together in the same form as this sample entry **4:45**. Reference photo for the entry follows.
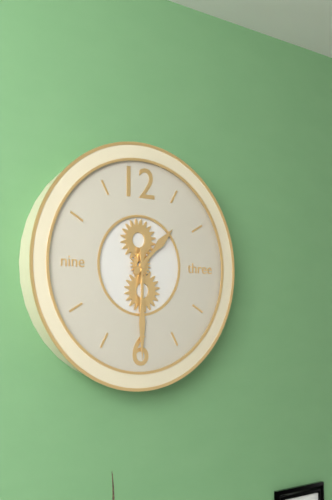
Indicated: **1:30**
